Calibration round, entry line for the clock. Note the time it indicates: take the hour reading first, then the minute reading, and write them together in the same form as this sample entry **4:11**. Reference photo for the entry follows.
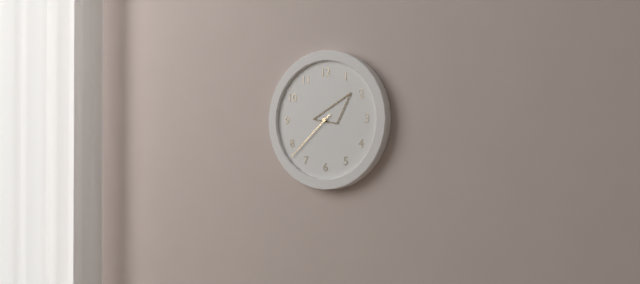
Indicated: **1:38**
